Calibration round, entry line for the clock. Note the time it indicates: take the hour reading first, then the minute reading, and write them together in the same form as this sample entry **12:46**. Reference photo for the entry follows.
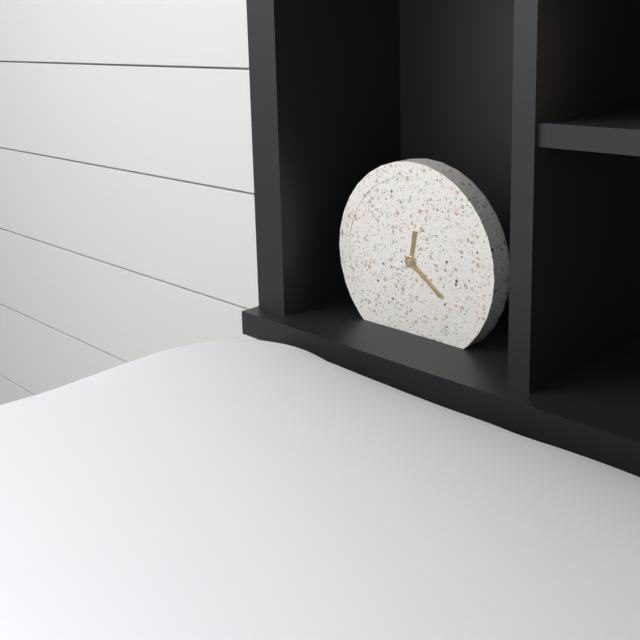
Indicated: **12:21**
